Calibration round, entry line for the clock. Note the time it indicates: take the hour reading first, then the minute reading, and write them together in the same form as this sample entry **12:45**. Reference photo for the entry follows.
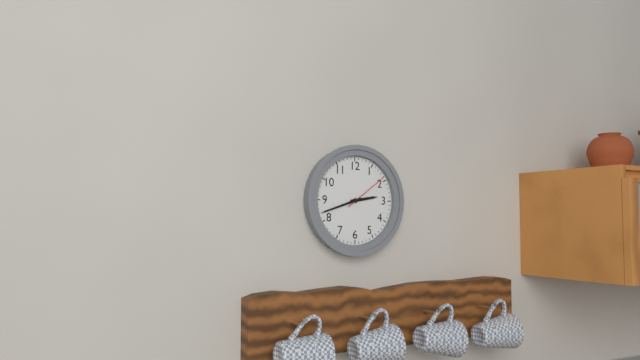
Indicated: **2:42**
